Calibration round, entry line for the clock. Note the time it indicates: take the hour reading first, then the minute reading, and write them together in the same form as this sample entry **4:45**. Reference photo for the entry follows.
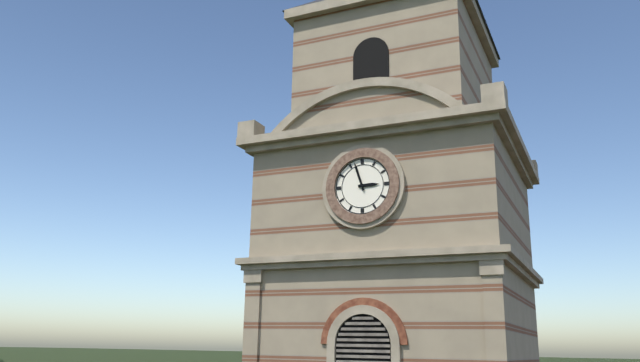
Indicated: **2:57**
